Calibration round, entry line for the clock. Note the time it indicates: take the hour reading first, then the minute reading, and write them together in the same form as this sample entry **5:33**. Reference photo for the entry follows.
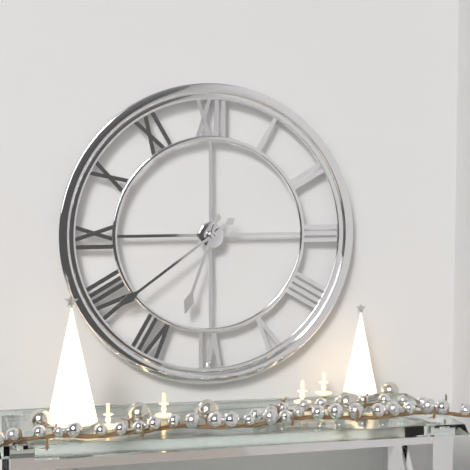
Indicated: **6:39**
